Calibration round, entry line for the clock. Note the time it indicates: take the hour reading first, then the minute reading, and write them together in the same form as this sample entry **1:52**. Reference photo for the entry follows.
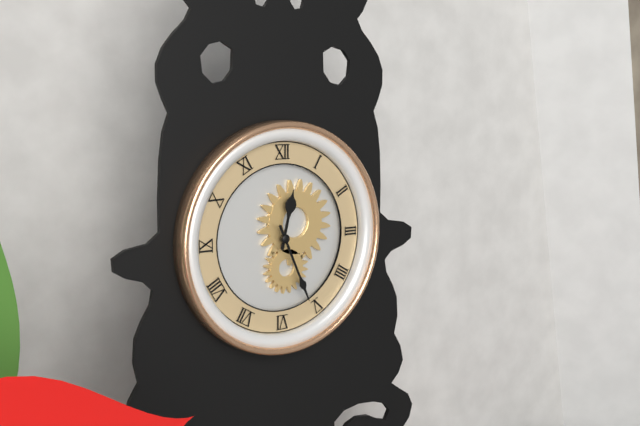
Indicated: **12:26**
